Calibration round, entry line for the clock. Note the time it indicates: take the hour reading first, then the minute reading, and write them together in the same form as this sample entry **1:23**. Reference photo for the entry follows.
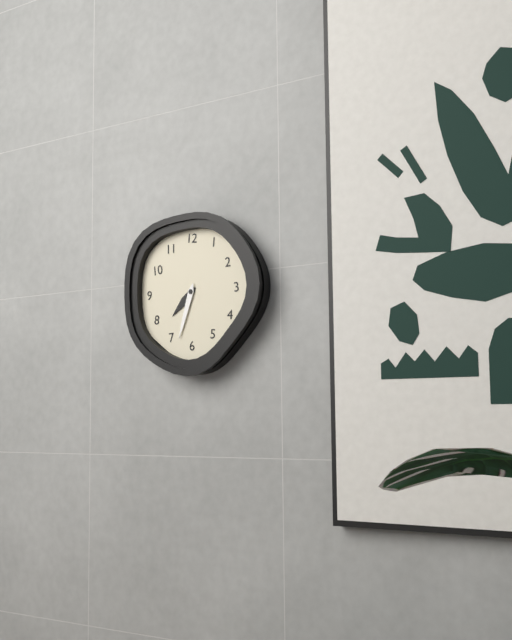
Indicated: **7:33**
